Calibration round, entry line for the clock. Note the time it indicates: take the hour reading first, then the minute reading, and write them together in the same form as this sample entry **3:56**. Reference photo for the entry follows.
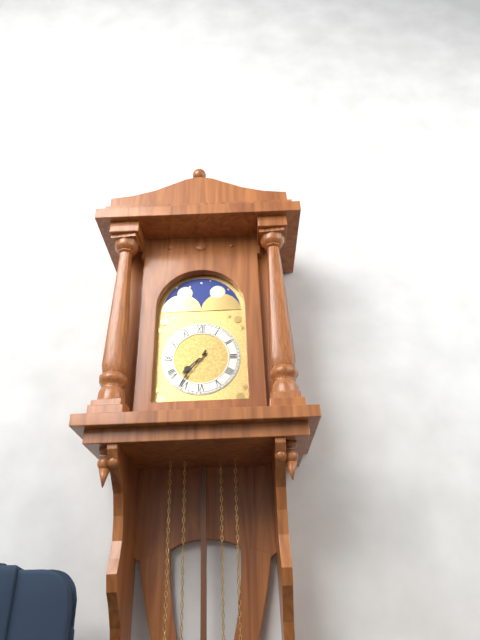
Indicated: **7:36**
